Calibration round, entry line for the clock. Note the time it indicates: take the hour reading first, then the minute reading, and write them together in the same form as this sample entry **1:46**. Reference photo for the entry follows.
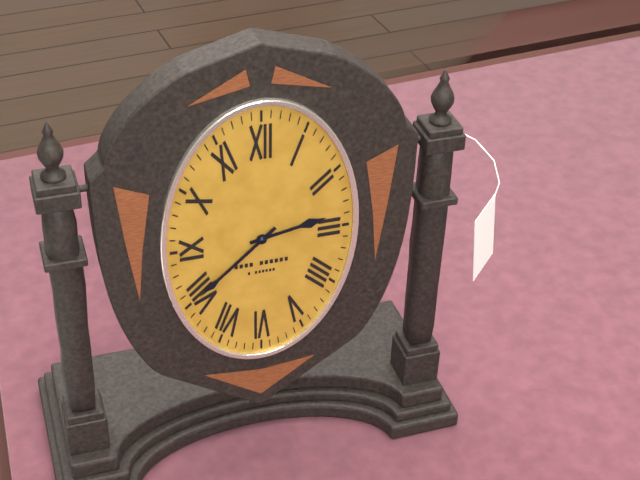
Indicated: **2:38**
